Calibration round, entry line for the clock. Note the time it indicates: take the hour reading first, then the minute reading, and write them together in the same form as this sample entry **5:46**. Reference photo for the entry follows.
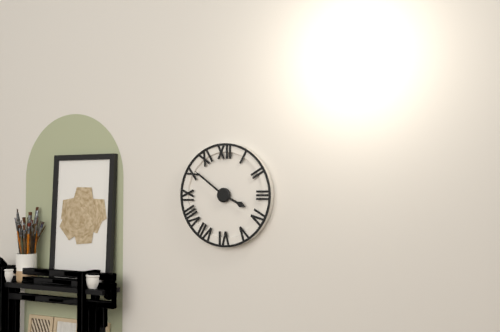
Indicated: **3:51**
